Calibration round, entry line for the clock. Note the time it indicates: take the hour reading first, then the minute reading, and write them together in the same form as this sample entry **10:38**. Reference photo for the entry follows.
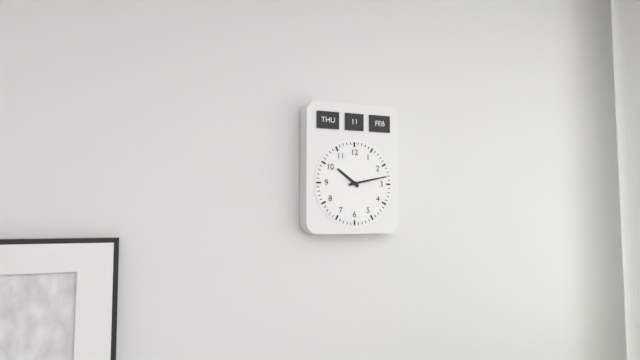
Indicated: **10:13**
